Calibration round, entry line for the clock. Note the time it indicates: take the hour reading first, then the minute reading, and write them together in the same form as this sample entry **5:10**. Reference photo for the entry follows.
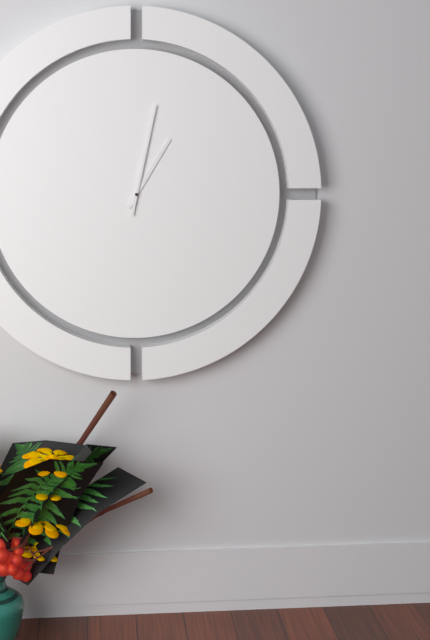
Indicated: **1:02**
